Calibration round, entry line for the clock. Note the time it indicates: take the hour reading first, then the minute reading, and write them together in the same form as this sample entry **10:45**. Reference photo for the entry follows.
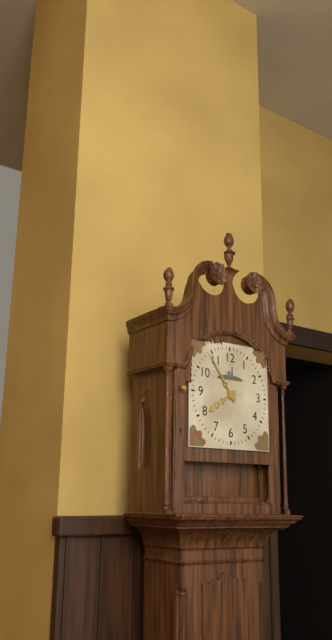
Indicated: **7:54**
